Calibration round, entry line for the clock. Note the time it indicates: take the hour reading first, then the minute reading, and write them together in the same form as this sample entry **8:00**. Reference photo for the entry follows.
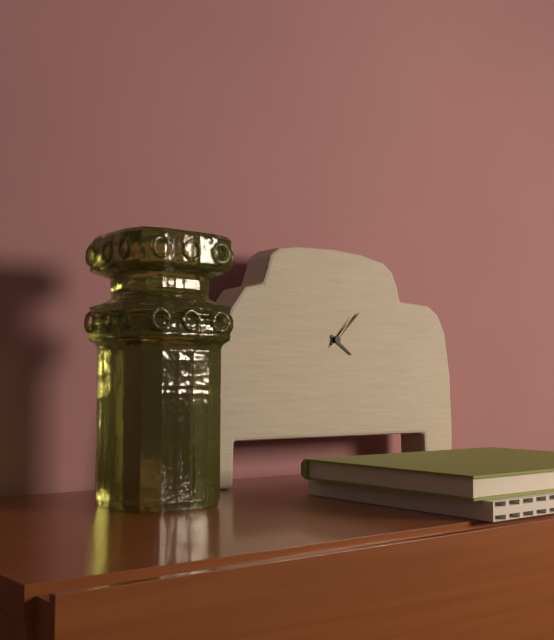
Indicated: **4:08**
